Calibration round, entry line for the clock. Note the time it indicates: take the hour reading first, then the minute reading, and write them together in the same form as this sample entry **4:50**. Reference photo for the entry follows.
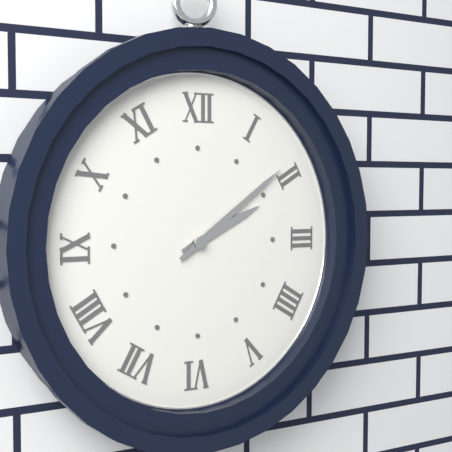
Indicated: **2:09**
